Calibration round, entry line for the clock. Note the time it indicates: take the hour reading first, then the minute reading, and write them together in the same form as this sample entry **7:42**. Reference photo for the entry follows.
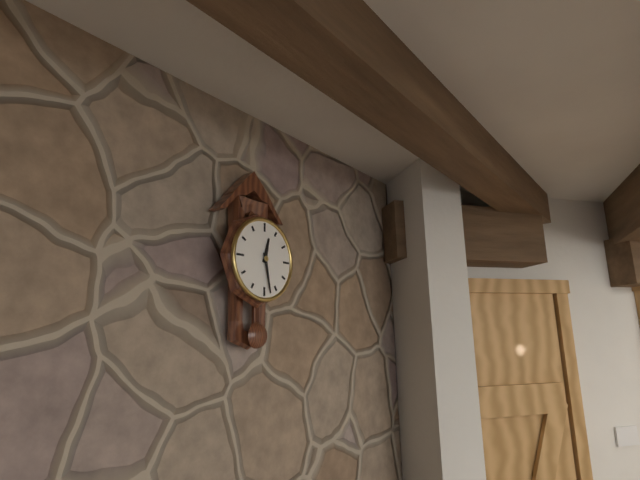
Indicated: **12:28**
